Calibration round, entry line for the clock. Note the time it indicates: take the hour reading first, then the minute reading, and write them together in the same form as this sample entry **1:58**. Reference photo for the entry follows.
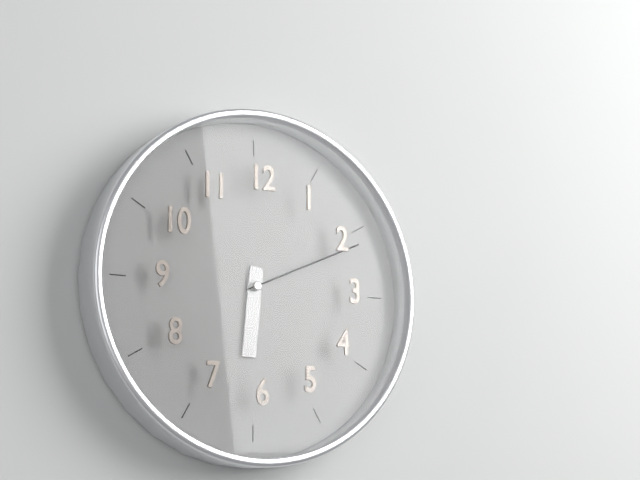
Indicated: **6:11**
